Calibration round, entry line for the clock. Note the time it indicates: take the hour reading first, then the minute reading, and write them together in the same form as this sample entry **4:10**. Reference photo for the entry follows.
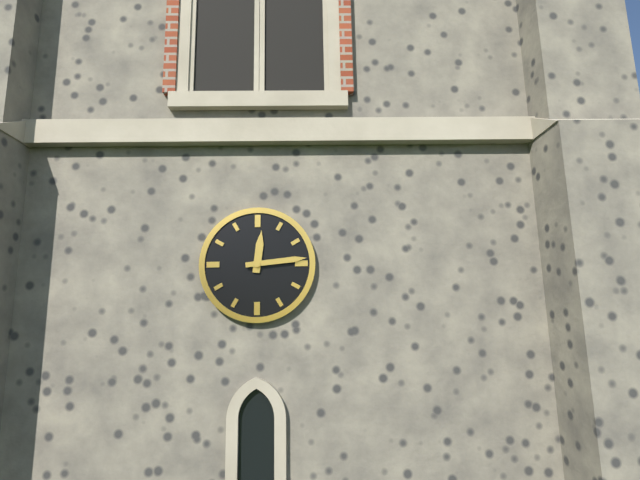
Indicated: **12:14**
